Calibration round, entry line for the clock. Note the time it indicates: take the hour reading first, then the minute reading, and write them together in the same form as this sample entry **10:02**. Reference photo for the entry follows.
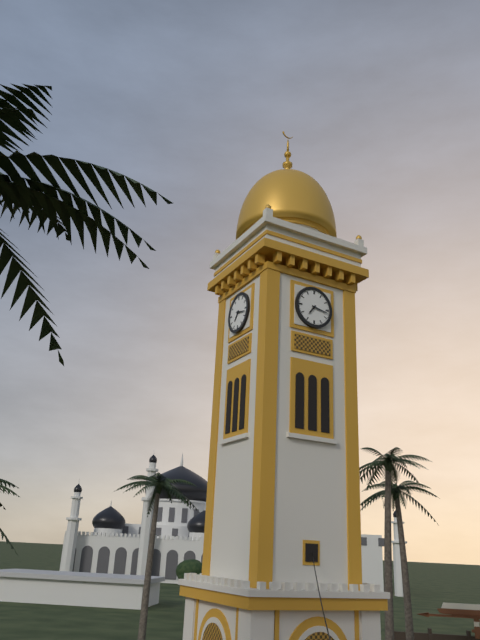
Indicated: **7:17**
